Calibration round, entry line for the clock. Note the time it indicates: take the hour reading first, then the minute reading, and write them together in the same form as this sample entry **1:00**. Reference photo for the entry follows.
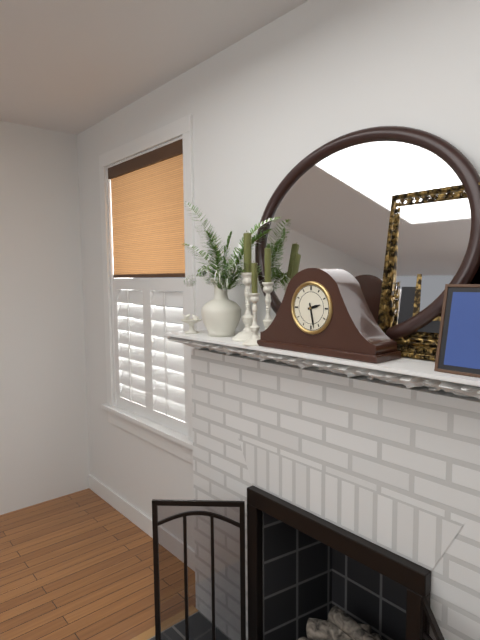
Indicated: **2:28**
